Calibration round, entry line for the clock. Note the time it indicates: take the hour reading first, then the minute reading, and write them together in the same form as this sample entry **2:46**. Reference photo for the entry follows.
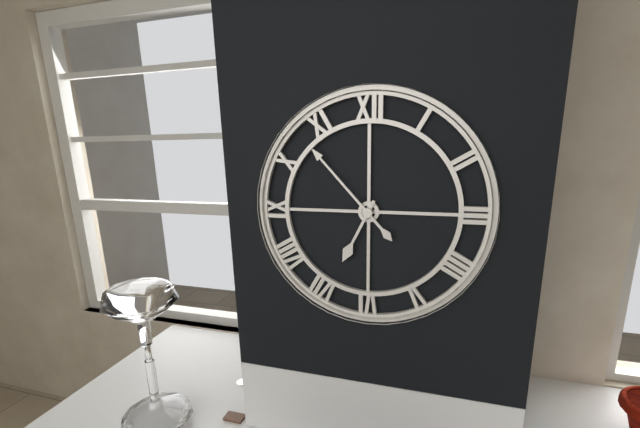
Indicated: **6:53**
